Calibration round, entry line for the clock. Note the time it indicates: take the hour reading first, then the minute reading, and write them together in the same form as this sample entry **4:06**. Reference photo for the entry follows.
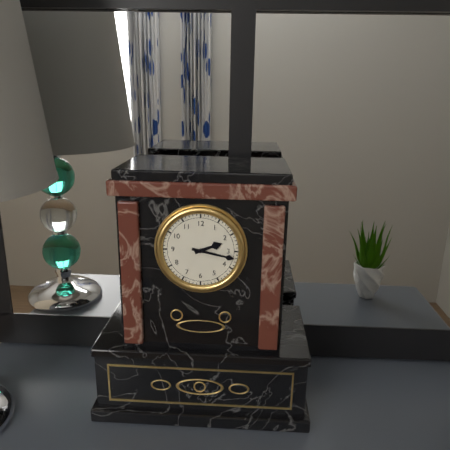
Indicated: **2:17**
